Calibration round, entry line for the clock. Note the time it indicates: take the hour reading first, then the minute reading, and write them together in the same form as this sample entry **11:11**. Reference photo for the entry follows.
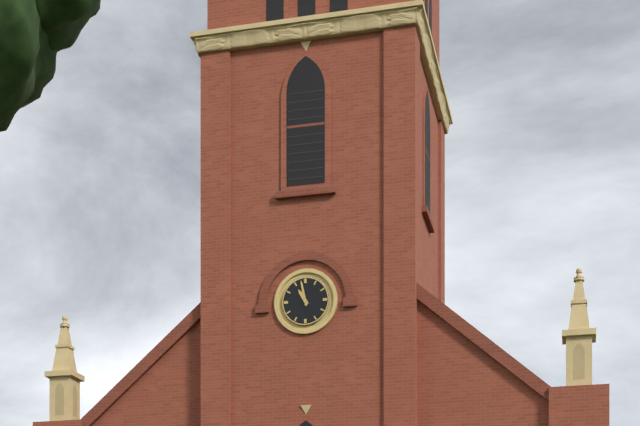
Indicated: **10:58**
